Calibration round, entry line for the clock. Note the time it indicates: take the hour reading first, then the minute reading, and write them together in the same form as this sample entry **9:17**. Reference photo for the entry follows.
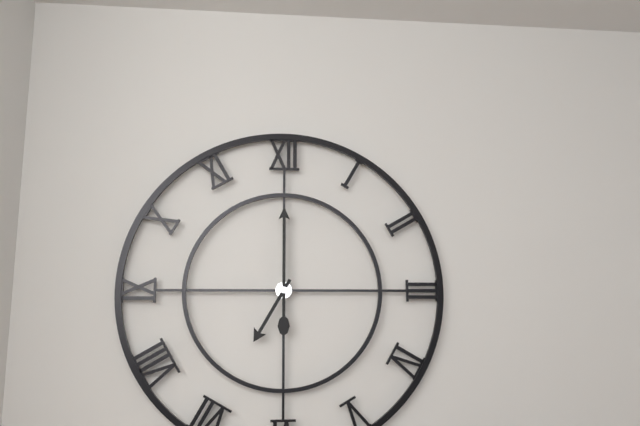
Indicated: **7:00**
